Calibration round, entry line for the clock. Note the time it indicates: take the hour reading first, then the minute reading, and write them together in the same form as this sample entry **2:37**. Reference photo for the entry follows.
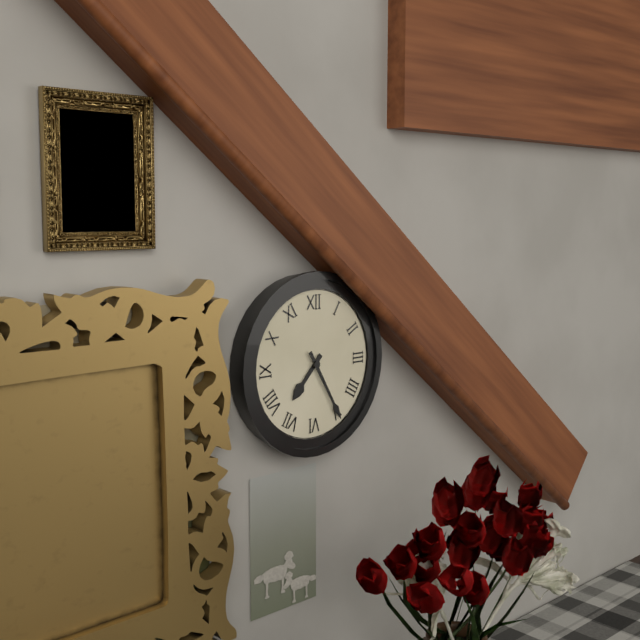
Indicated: **7:25**
